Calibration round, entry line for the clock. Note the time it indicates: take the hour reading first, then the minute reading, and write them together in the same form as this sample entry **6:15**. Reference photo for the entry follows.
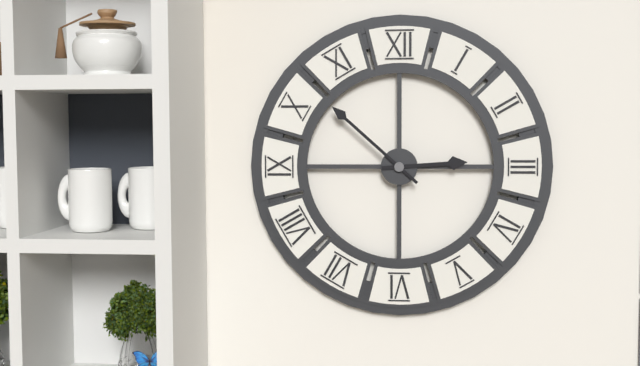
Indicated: **2:52**
